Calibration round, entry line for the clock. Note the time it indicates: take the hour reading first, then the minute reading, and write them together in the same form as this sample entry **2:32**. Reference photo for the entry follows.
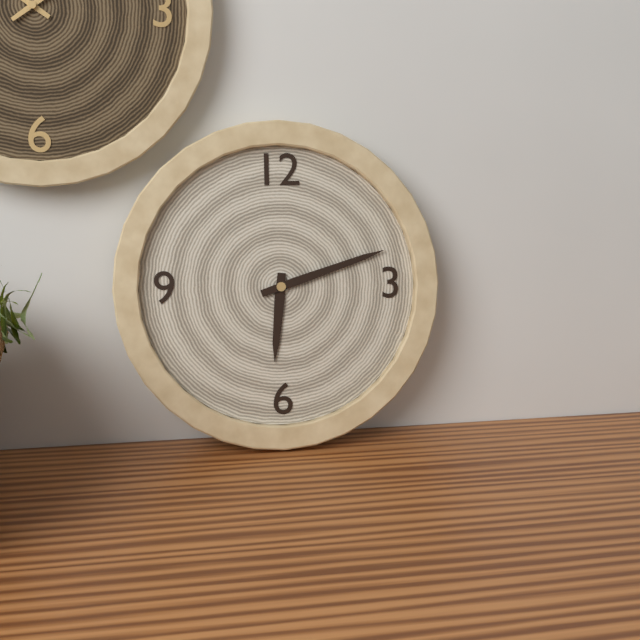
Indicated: **6:12**
